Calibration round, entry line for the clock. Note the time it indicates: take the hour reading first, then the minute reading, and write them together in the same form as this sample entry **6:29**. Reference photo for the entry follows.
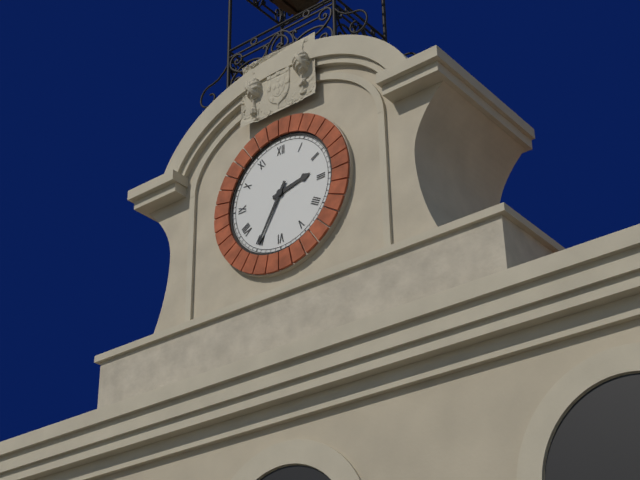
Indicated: **2:35**
